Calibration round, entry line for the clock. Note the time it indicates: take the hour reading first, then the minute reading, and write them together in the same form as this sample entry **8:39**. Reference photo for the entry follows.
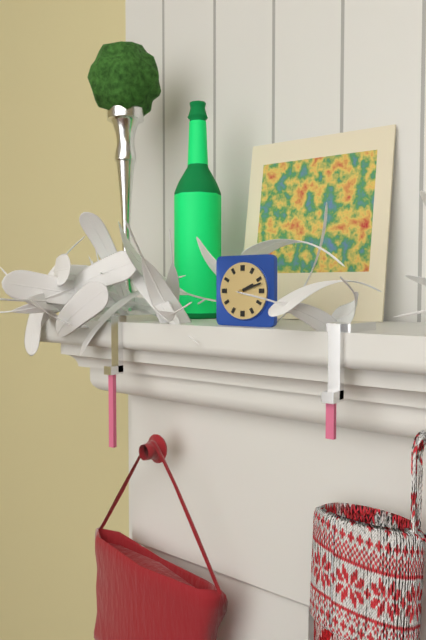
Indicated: **2:12**
